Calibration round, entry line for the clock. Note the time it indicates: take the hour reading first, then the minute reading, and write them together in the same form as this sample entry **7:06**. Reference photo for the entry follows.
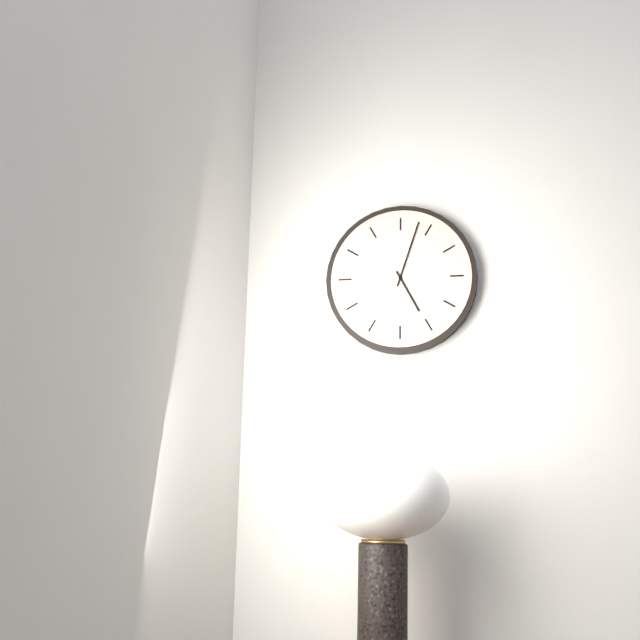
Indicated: **5:03**
